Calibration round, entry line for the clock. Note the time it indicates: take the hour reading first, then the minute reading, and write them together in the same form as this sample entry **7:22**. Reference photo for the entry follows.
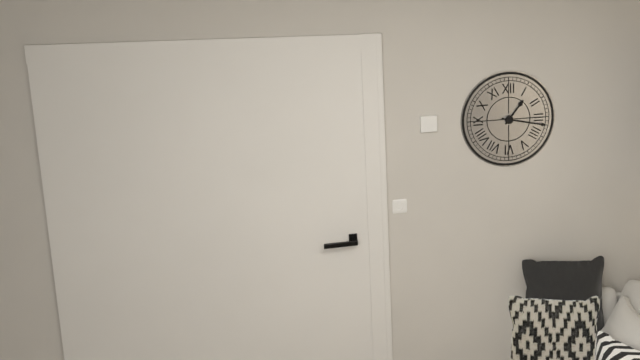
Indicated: **1:17**
